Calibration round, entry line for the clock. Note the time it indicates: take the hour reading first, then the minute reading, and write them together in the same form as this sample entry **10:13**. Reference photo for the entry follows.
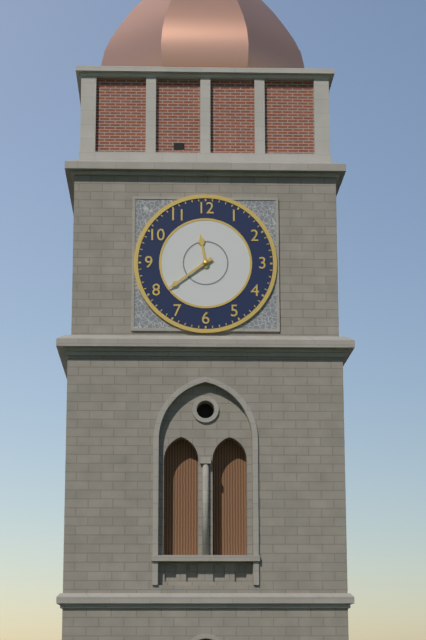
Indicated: **11:39**
